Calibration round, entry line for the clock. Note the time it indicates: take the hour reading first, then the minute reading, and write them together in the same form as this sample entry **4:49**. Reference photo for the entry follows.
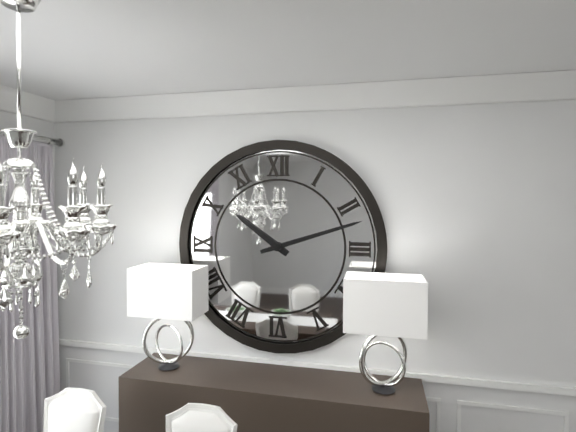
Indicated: **10:12**
